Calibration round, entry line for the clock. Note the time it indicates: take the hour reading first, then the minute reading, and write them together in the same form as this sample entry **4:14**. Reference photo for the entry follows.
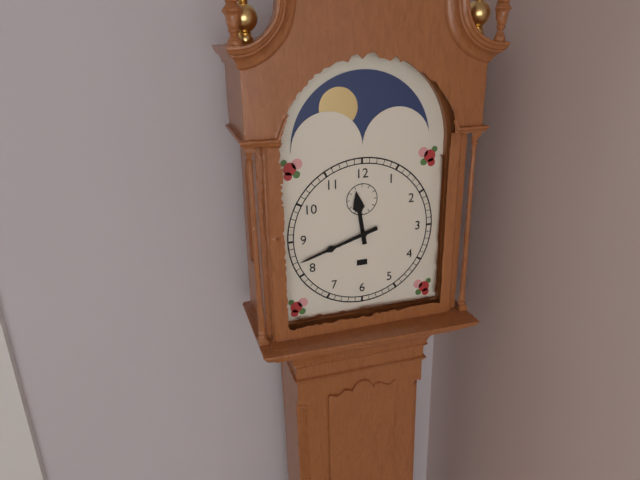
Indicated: **11:42**
